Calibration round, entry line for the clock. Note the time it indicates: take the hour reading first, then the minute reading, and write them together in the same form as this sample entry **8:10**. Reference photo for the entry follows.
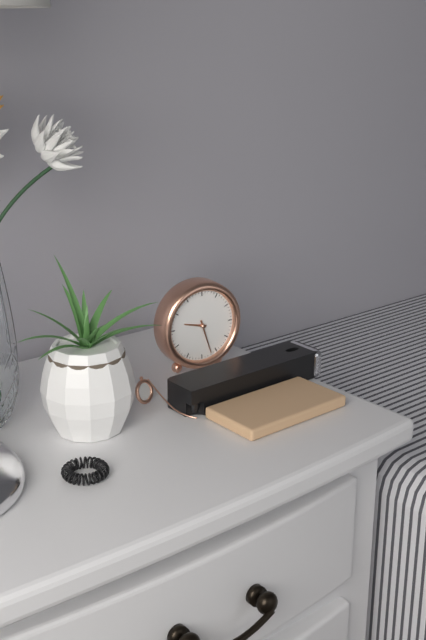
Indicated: **9:27**
